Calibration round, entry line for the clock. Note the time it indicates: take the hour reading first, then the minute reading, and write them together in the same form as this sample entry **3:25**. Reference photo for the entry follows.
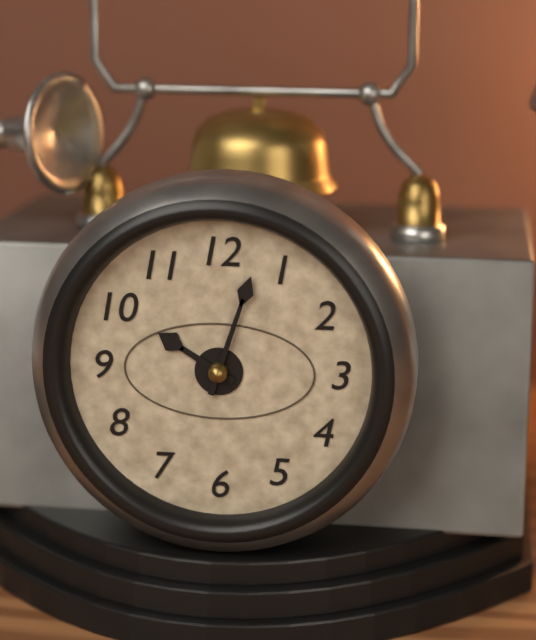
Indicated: **10:03**
